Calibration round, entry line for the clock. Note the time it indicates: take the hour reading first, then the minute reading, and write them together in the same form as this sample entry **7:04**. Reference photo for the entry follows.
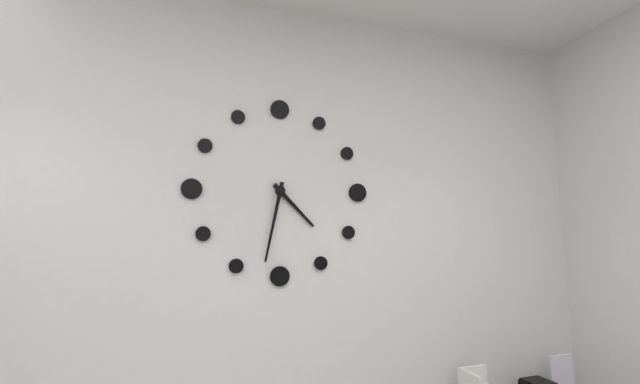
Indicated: **4:32**
